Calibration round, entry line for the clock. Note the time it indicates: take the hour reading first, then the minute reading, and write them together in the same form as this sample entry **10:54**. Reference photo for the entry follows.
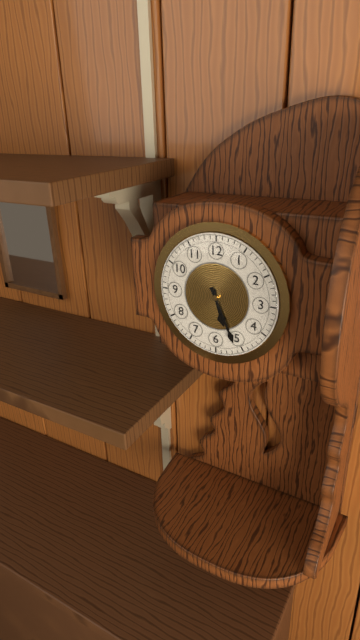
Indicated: **5:26**
